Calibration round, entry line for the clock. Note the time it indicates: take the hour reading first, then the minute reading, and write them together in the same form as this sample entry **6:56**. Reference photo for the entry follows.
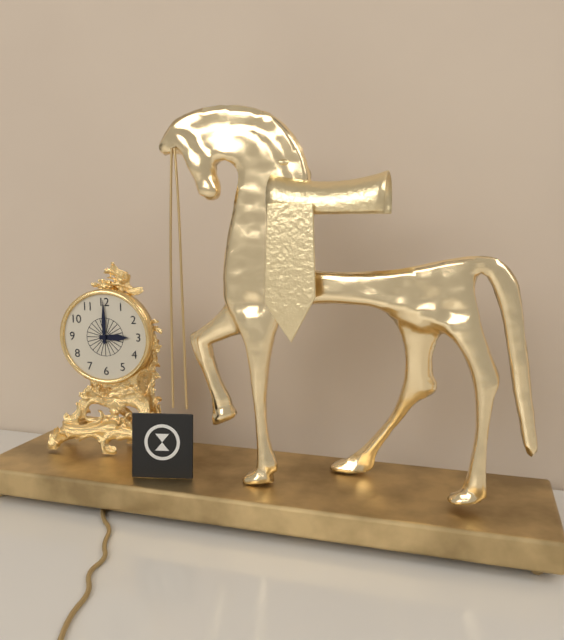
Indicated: **3:00**
